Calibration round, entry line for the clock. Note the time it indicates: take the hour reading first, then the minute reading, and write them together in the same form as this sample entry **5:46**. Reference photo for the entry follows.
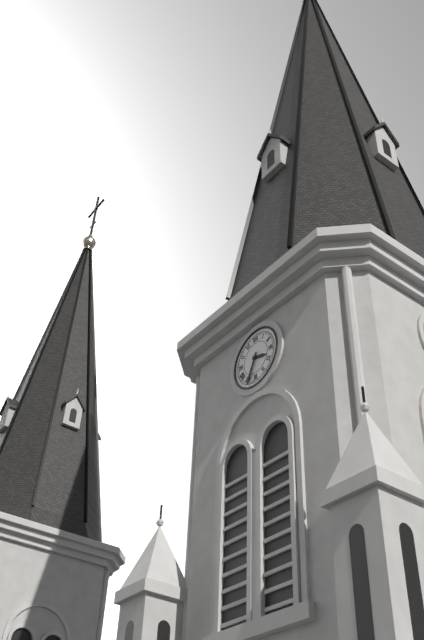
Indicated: **3:34**
